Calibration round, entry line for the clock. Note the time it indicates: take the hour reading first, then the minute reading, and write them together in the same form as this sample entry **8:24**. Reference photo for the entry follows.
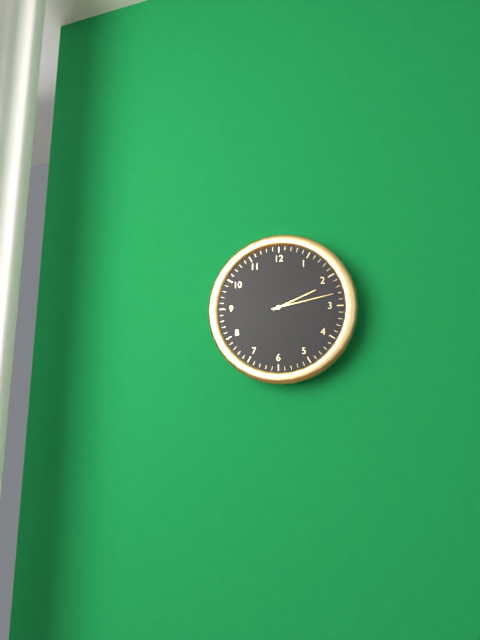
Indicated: **2:13**
